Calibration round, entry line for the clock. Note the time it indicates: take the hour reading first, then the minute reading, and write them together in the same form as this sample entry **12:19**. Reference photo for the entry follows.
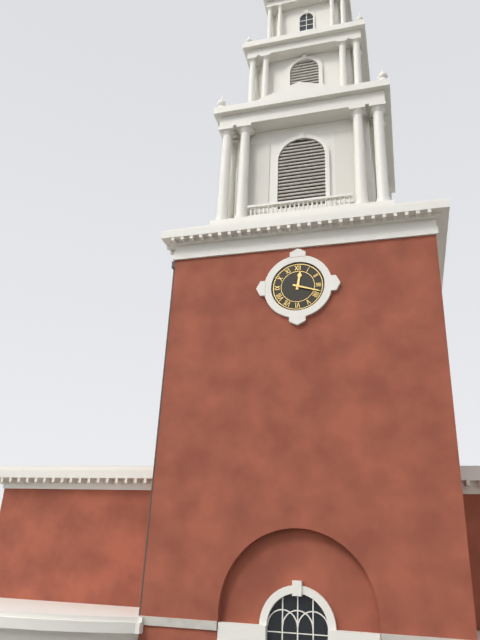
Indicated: **12:18**
